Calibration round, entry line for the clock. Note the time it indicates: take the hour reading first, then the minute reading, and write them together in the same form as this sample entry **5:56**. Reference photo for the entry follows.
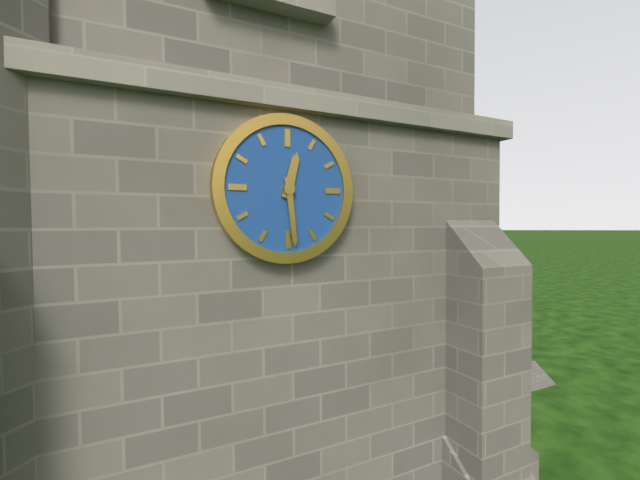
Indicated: **12:29**
